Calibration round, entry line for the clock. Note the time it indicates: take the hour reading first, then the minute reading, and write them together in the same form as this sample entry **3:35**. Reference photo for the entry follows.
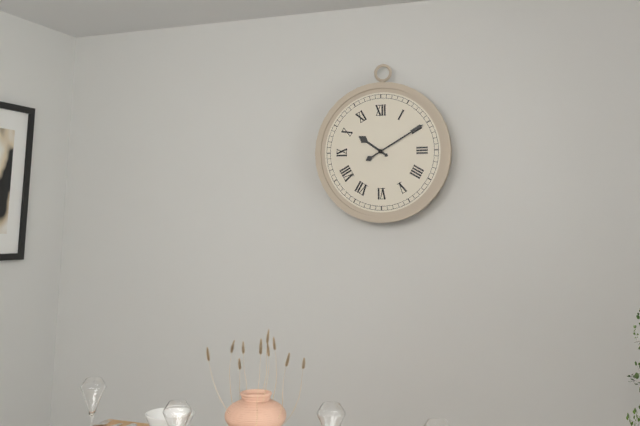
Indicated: **10:10**
